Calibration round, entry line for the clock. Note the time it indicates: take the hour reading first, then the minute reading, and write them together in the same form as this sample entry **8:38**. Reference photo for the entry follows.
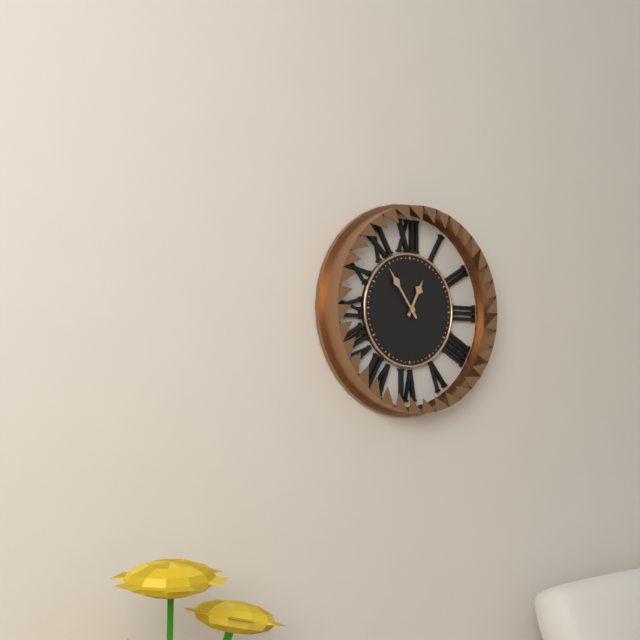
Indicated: **12:54**
